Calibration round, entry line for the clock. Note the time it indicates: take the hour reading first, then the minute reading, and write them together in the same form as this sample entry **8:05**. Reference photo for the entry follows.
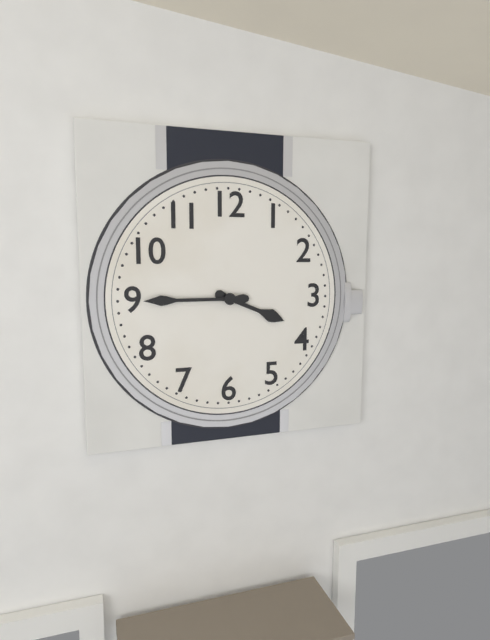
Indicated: **3:45**
